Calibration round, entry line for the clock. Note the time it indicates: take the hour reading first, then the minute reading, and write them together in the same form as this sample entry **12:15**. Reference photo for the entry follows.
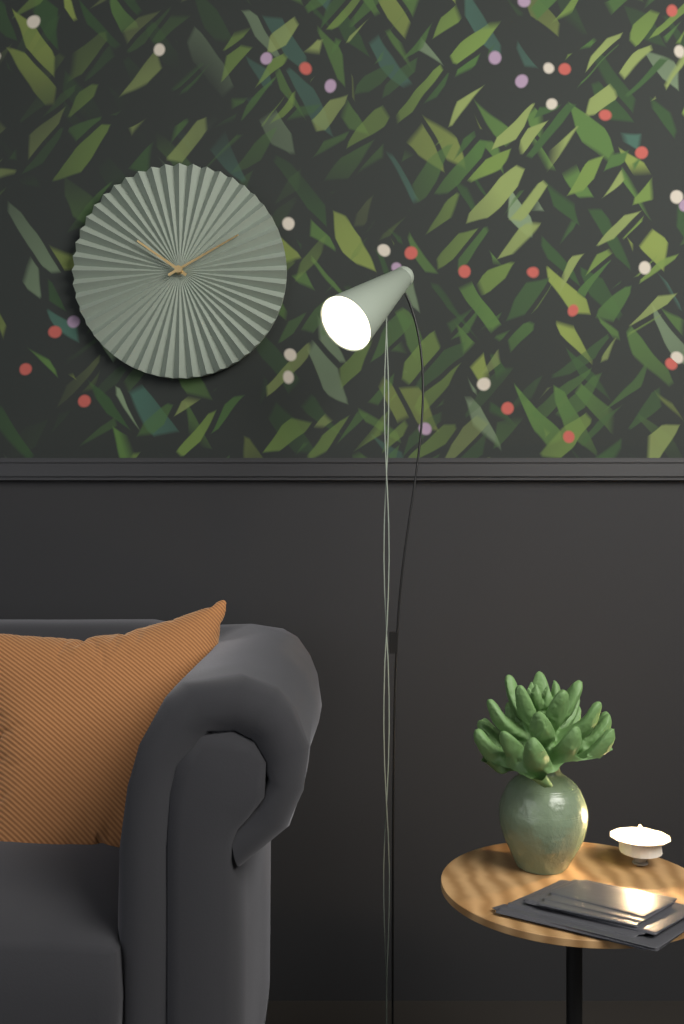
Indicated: **10:10**
